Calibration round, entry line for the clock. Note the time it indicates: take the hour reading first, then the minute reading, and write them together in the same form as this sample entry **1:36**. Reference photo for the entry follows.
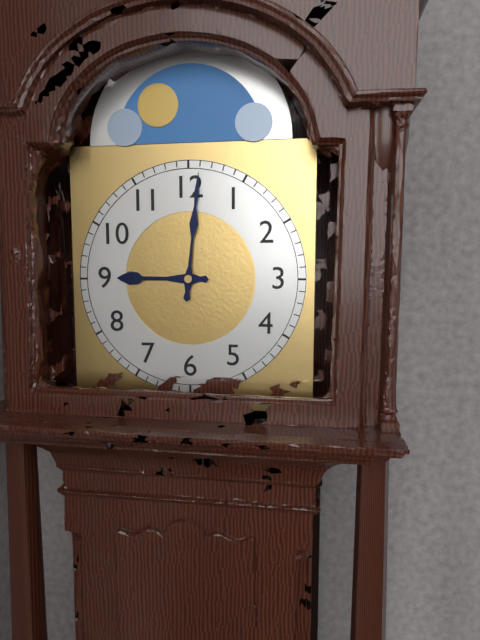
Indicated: **9:01**
